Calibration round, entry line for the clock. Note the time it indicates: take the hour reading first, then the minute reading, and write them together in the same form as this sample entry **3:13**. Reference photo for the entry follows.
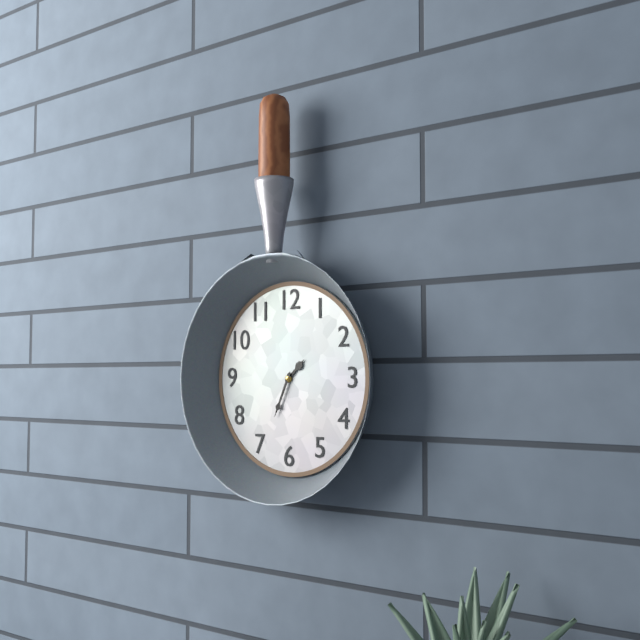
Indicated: **1:34**
